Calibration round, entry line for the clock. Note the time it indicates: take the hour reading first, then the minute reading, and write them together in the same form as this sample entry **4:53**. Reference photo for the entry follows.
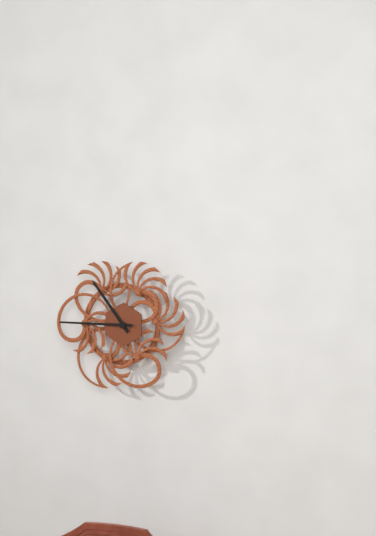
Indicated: **10:45**
